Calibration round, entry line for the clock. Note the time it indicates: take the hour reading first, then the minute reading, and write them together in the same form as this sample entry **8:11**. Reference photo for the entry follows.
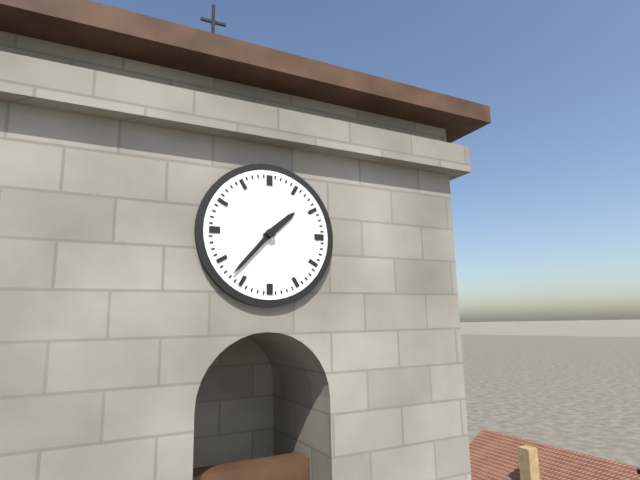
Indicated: **1:37**
